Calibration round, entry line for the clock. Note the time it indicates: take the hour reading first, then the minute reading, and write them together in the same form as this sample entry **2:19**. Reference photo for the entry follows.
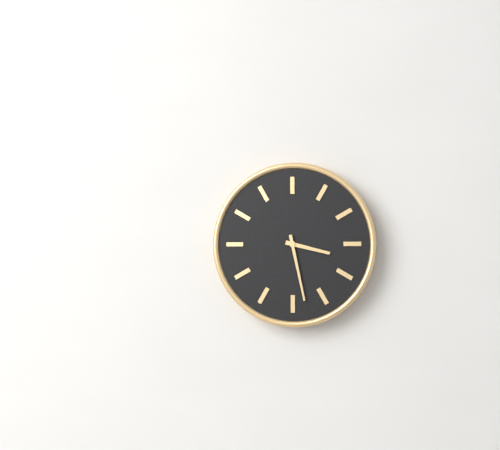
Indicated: **3:28**
